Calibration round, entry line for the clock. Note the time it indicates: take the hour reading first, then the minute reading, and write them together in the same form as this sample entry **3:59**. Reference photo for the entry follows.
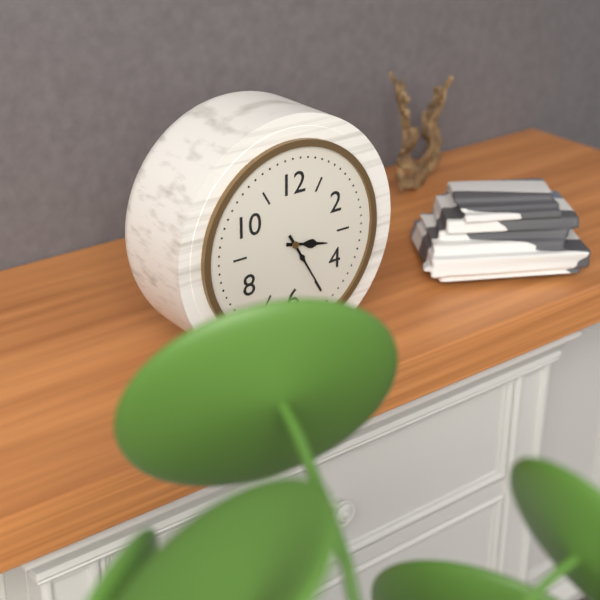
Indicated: **3:25**
